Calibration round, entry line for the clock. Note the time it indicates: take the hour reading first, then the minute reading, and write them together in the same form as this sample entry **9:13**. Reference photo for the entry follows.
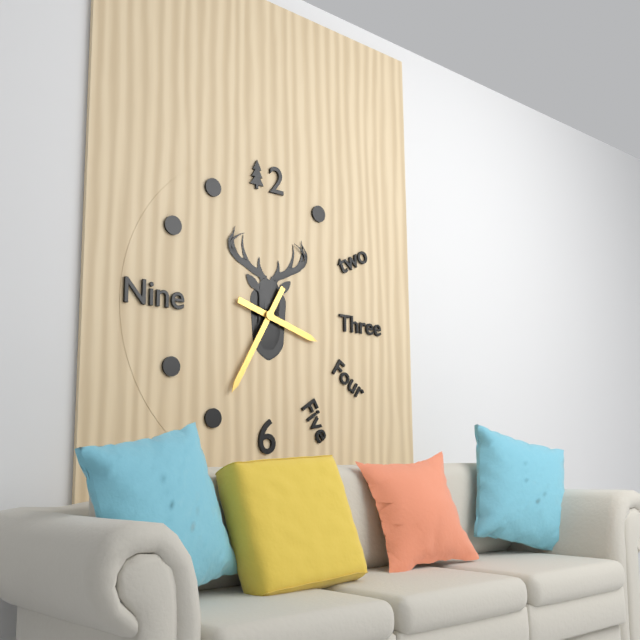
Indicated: **3:35**
